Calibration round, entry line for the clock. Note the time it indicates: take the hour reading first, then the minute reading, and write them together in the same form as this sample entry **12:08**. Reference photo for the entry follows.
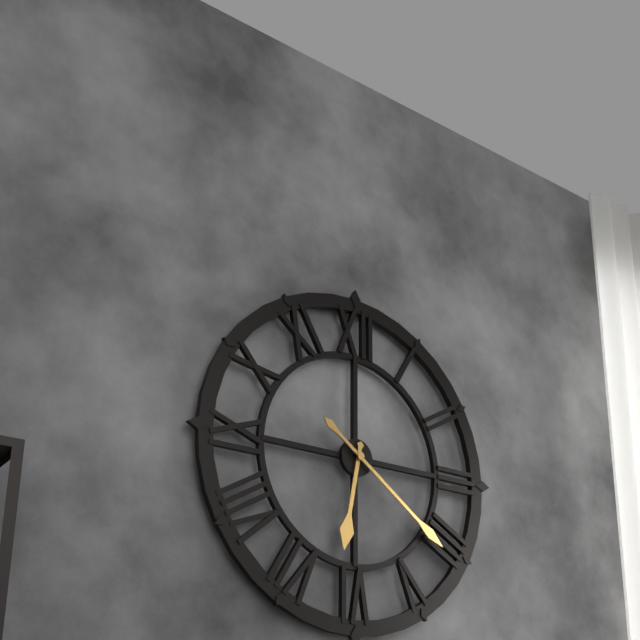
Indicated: **6:21**
